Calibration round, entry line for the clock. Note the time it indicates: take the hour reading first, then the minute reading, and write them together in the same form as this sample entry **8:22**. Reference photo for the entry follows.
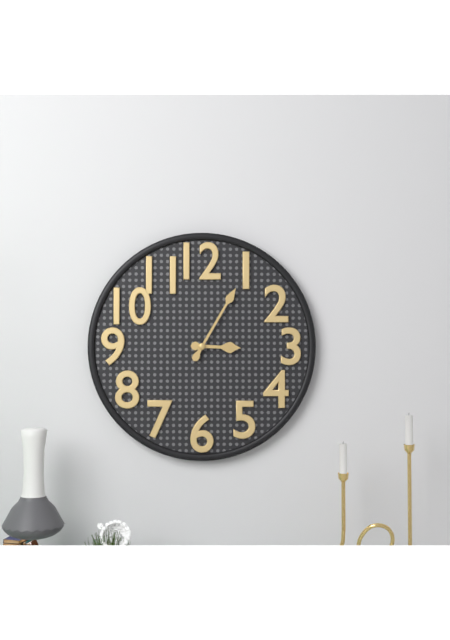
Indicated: **3:05**
